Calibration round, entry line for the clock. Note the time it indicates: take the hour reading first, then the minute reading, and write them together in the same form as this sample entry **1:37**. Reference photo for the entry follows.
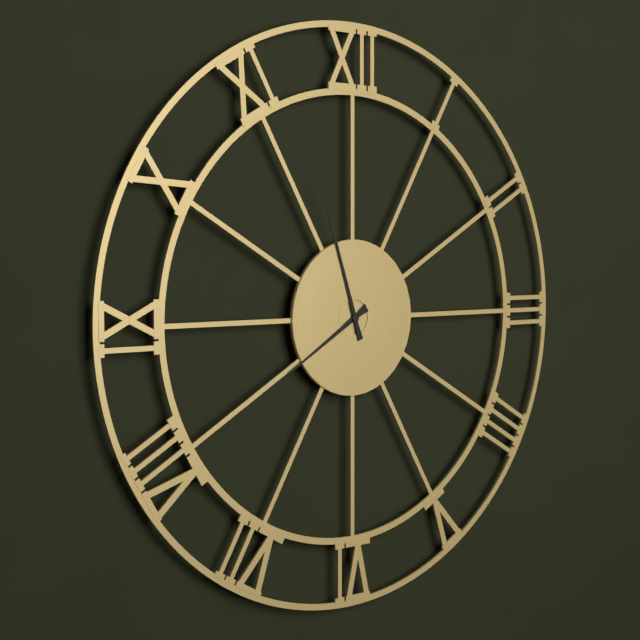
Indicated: **7:57**
